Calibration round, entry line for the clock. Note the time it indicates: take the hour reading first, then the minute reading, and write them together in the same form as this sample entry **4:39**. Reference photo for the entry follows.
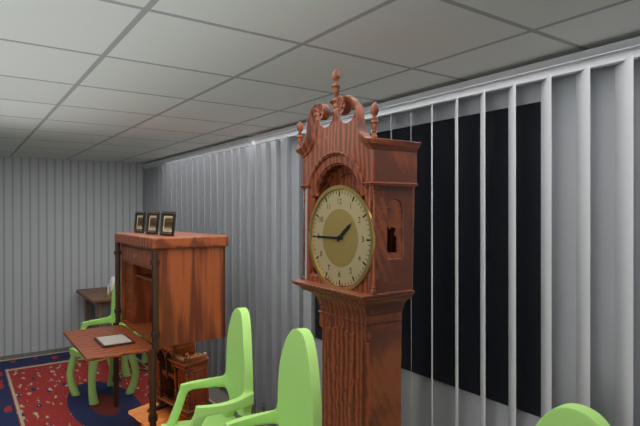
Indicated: **1:45**
